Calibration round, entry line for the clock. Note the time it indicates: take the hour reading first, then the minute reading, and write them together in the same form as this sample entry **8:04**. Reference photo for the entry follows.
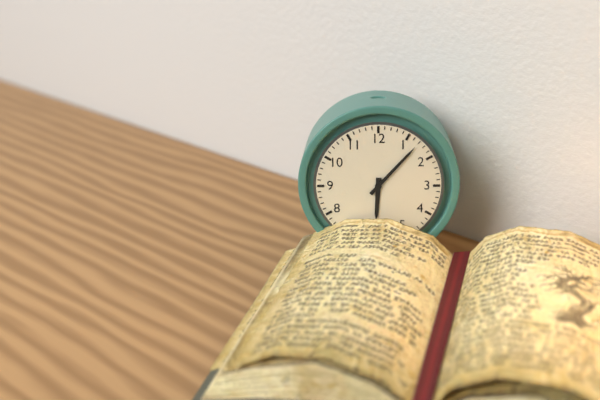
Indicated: **6:07**
